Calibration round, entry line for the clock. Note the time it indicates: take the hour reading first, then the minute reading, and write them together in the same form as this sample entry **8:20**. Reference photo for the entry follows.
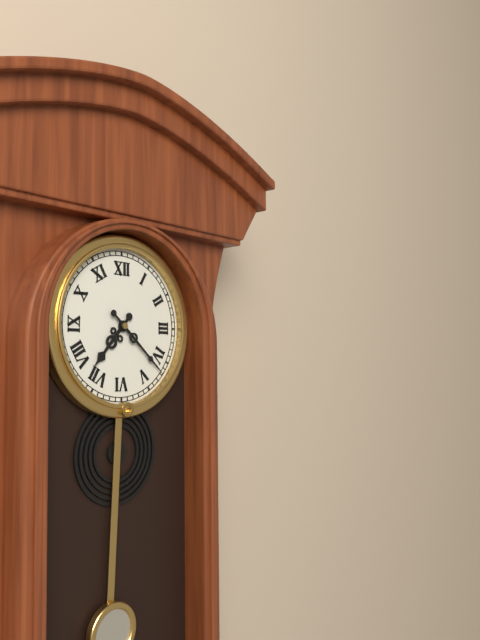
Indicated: **7:22**
